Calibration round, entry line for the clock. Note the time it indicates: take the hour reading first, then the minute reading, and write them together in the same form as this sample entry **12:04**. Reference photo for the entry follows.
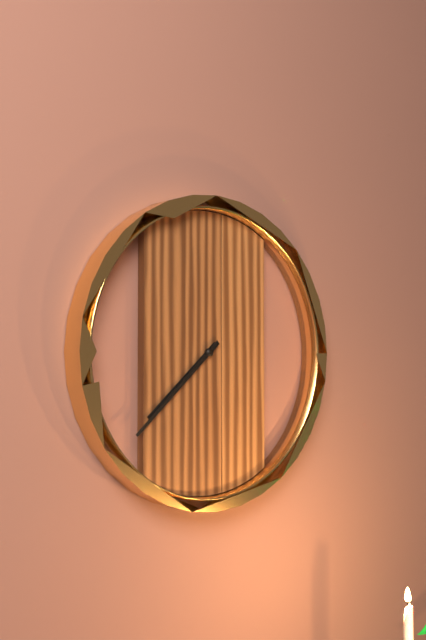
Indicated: **7:38**
